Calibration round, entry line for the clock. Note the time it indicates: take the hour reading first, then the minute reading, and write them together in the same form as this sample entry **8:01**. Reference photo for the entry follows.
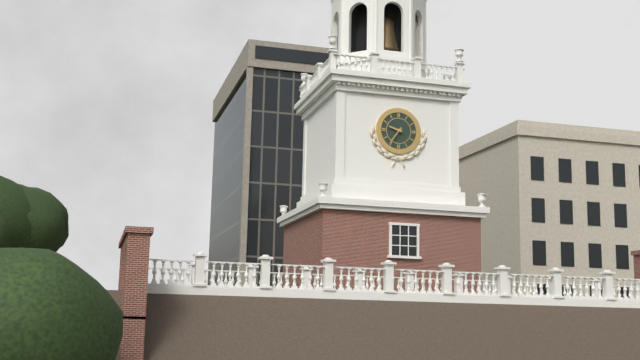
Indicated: **9:36**
